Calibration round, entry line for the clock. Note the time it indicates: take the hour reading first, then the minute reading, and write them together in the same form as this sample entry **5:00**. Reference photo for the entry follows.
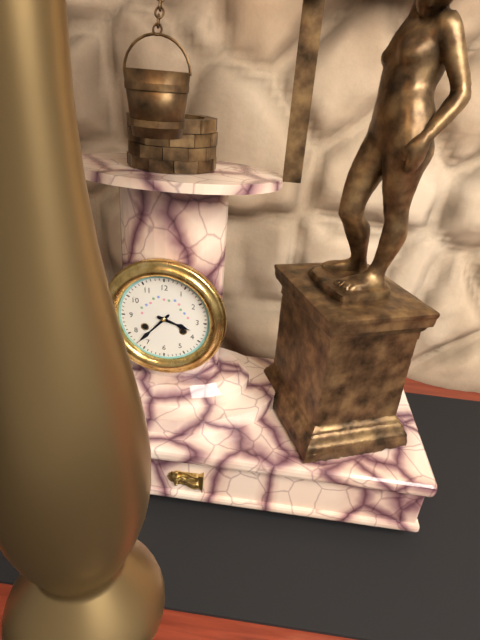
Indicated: **3:37**
